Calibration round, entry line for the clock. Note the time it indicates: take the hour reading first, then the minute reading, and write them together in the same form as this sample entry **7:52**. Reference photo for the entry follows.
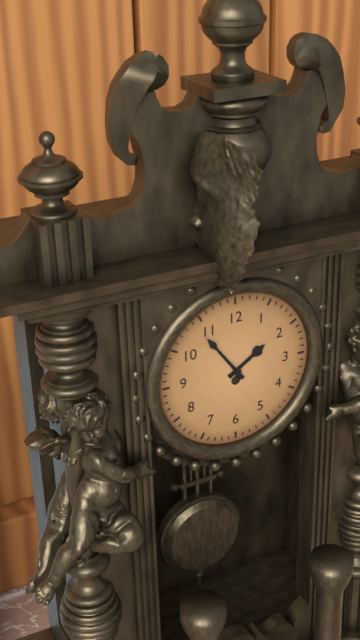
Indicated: **1:54**
